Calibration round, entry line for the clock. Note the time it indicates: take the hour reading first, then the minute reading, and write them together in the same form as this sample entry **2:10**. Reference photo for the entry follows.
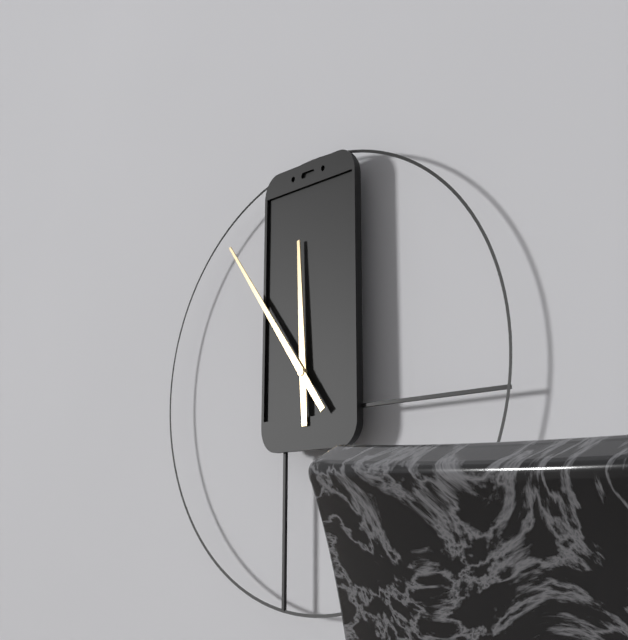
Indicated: **11:54**
